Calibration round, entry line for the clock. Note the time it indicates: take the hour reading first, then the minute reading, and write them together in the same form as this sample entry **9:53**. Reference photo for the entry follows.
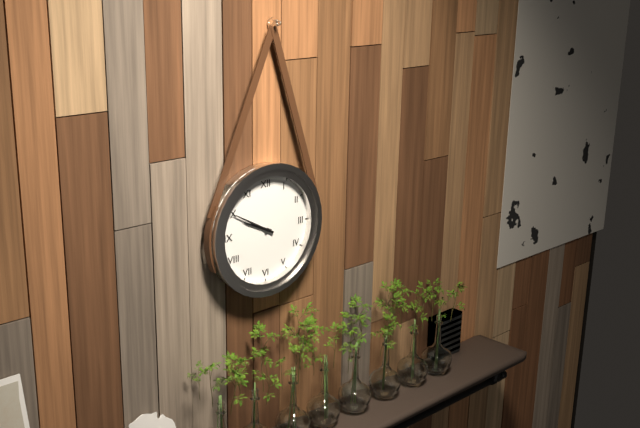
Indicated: **9:50**
